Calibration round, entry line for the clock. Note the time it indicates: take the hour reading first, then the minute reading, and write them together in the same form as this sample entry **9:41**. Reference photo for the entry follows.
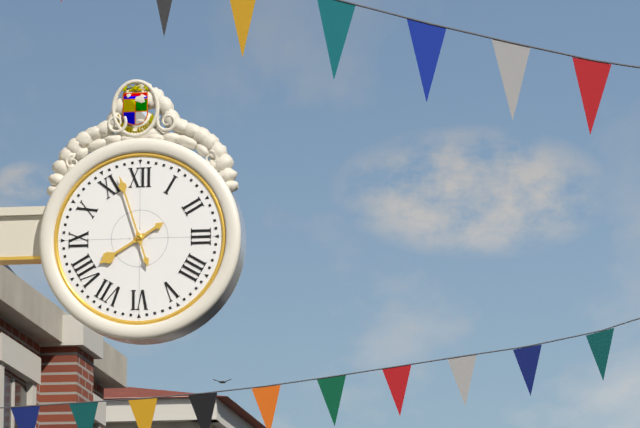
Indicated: **7:57**
